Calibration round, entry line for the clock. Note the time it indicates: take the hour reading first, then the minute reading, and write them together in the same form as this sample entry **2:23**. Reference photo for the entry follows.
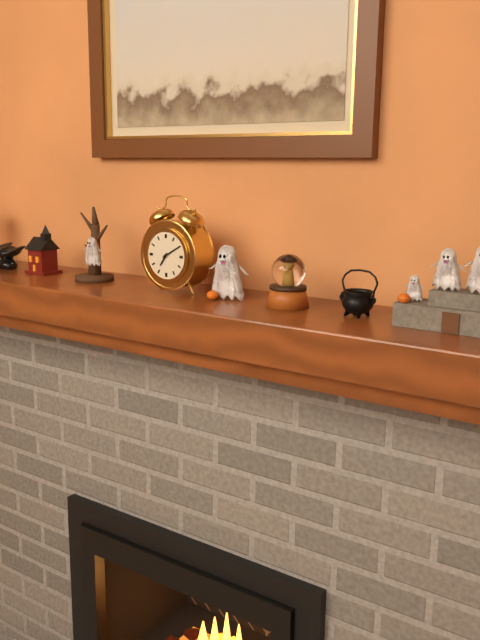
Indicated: **7:10**
